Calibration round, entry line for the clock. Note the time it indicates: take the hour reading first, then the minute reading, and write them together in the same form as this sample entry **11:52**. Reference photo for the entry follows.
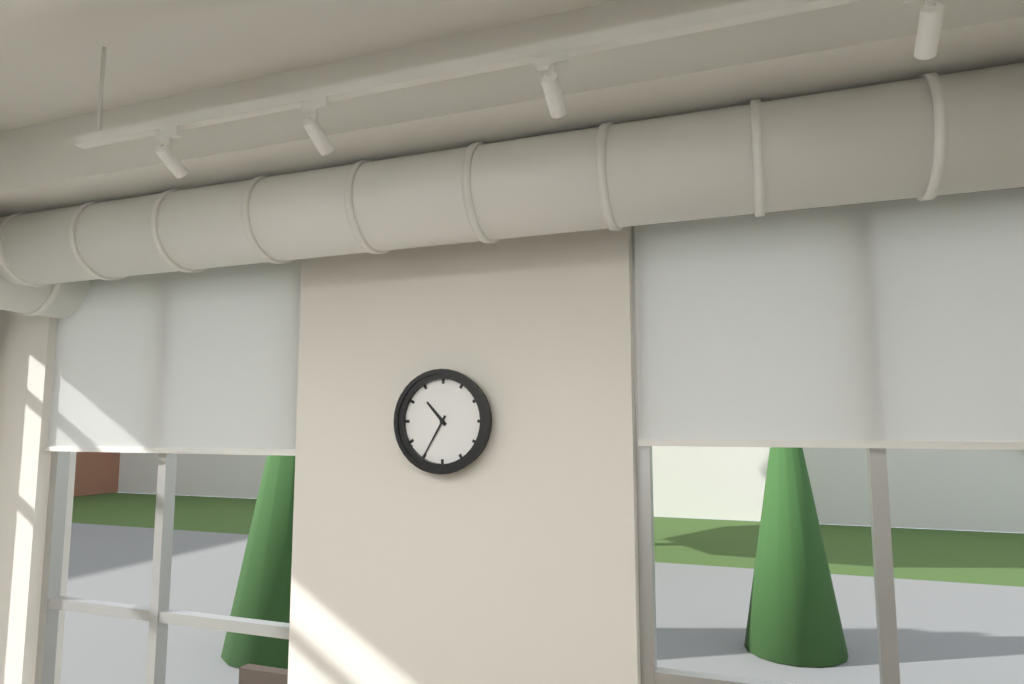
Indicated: **10:35**
